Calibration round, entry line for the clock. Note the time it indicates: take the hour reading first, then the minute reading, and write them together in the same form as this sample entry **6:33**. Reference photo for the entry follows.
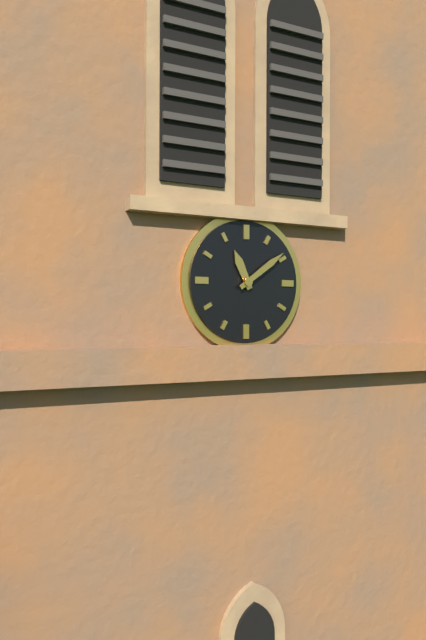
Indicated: **11:09**
